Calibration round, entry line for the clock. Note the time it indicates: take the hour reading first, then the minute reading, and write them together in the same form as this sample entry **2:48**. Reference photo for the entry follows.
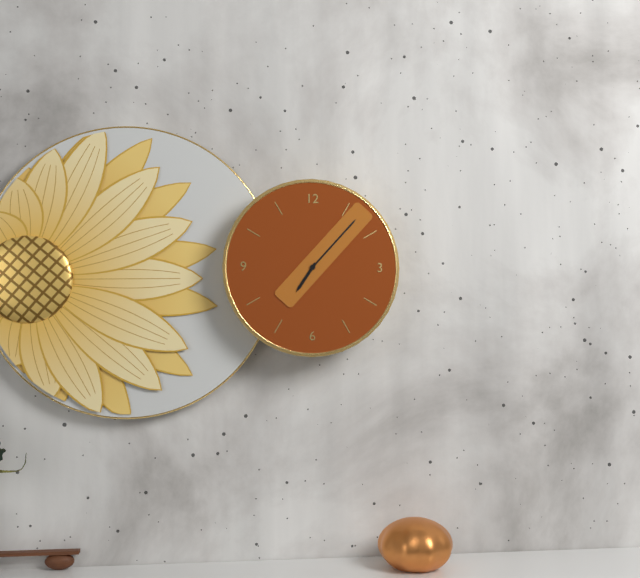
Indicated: **7:07**
